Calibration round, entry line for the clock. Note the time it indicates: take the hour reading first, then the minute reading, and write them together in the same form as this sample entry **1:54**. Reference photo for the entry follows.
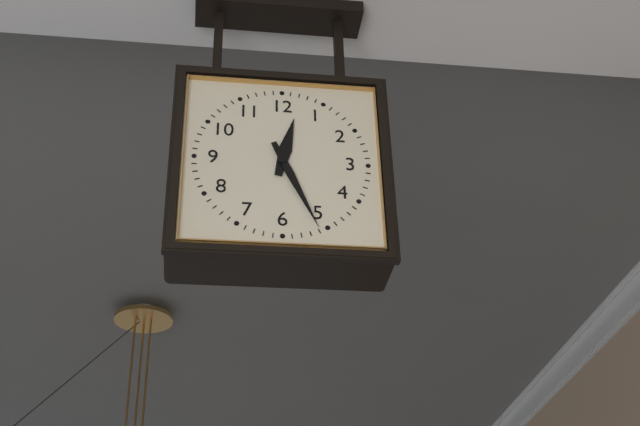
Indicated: **12:26**
